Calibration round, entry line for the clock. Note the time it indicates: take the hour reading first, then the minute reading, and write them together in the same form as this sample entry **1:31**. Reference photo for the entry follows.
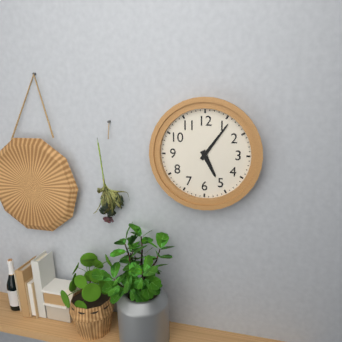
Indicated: **5:06**
